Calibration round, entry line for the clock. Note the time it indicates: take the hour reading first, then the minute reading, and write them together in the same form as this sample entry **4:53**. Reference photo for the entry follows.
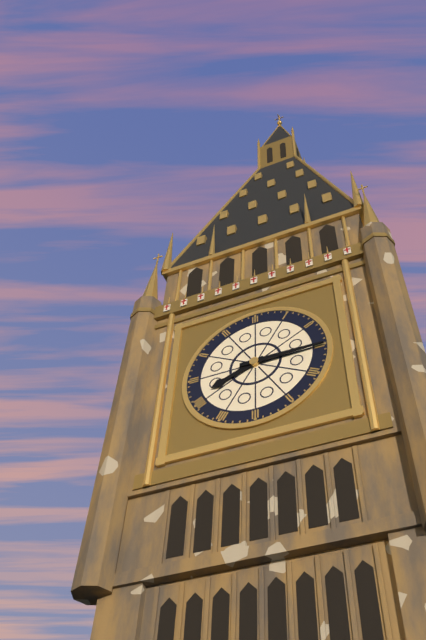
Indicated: **8:15**
